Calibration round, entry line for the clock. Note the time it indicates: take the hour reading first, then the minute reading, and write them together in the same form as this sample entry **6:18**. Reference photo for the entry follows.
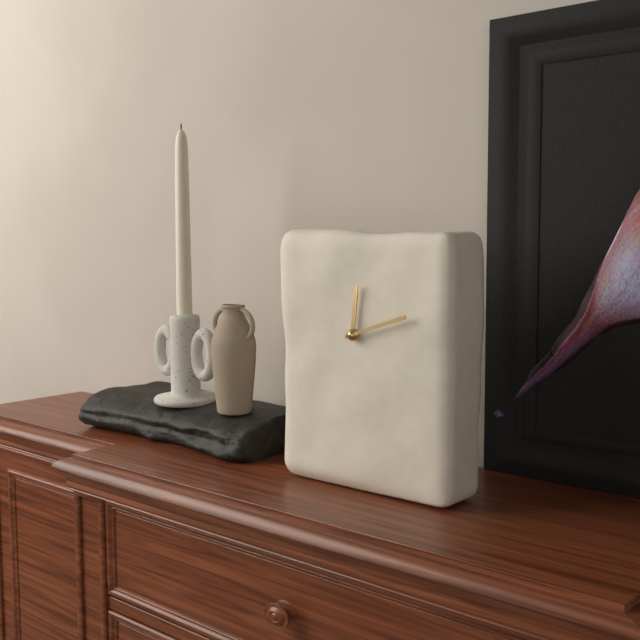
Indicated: **12:12**
